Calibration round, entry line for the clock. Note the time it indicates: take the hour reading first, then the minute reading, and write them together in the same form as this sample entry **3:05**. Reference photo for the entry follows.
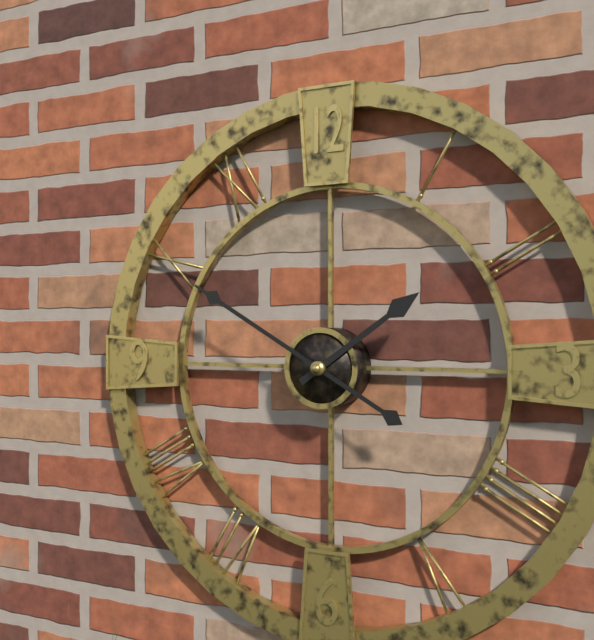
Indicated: **1:50**
